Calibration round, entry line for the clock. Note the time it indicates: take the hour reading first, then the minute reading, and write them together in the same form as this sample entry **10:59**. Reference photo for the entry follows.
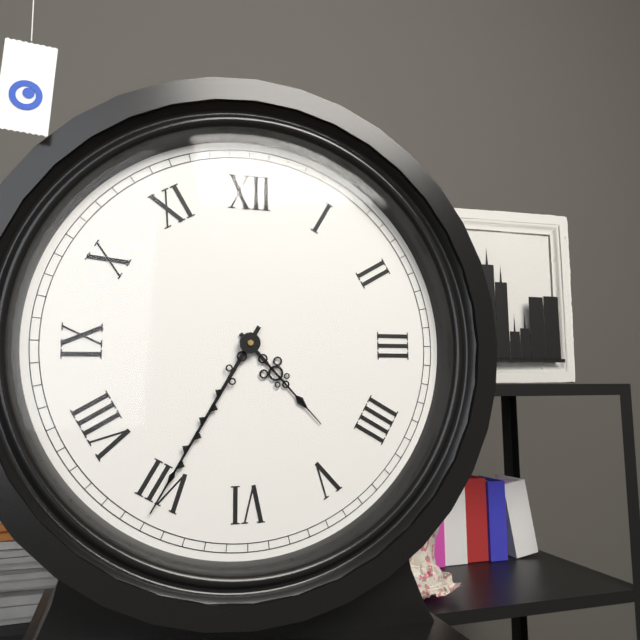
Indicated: **4:35**
